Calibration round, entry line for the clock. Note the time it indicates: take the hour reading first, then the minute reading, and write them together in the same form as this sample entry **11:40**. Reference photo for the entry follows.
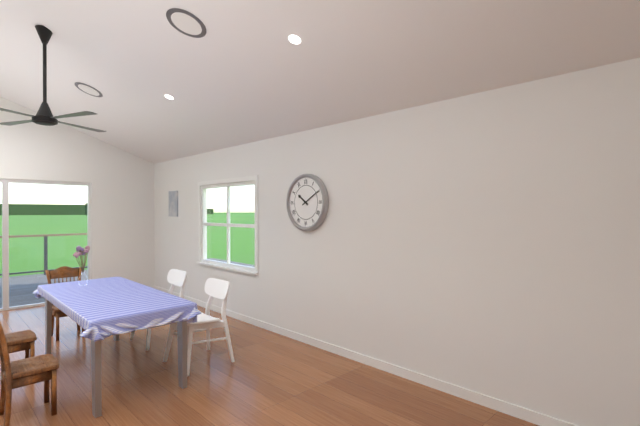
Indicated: **10:10**
